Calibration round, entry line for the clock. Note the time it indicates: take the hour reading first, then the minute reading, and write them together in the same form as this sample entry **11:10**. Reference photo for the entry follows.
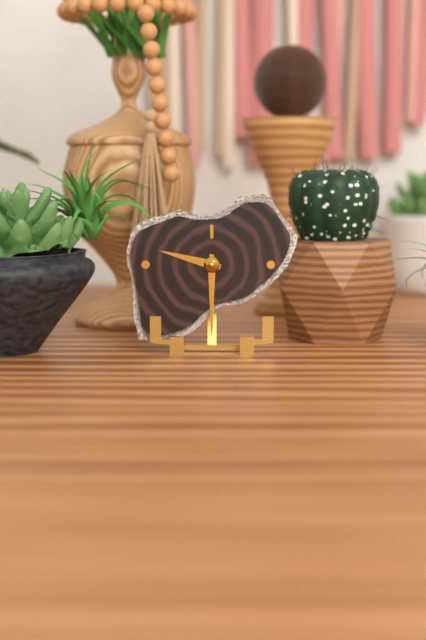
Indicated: **9:30**
